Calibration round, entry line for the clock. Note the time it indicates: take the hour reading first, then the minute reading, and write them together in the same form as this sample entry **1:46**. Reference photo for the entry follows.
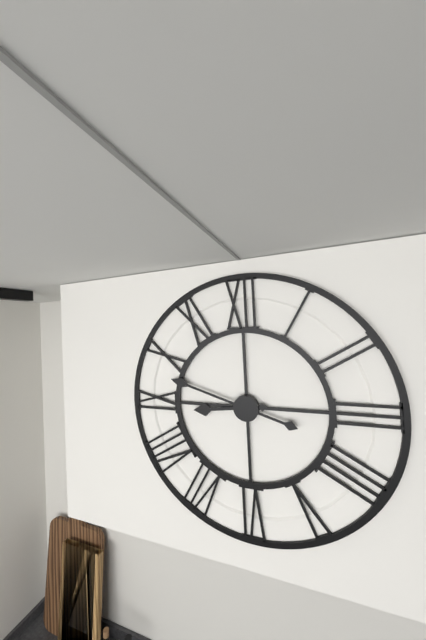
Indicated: **8:48**
